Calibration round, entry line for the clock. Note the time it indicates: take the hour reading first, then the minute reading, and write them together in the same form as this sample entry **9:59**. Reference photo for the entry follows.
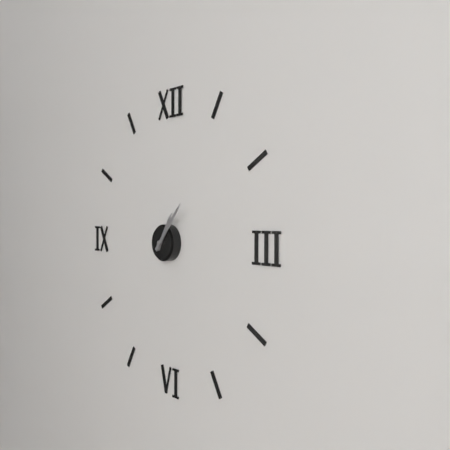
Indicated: **1:07**
